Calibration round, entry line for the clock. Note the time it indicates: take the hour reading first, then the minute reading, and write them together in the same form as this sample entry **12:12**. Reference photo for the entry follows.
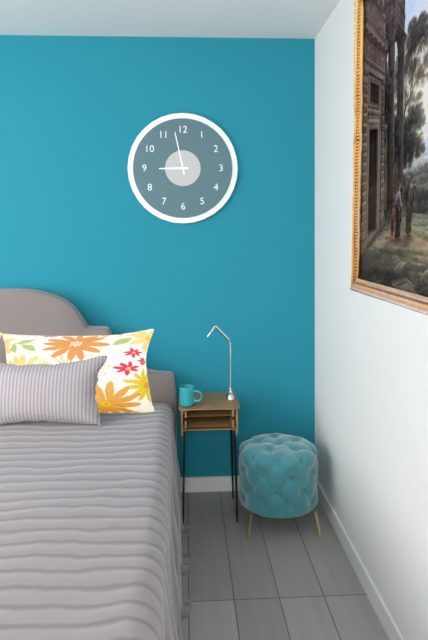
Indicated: **8:58**
